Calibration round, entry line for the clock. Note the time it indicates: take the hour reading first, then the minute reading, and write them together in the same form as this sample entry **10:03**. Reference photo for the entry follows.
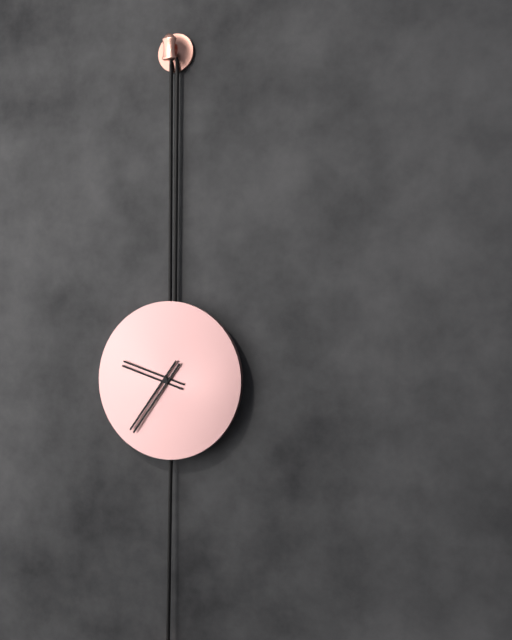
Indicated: **9:36**
